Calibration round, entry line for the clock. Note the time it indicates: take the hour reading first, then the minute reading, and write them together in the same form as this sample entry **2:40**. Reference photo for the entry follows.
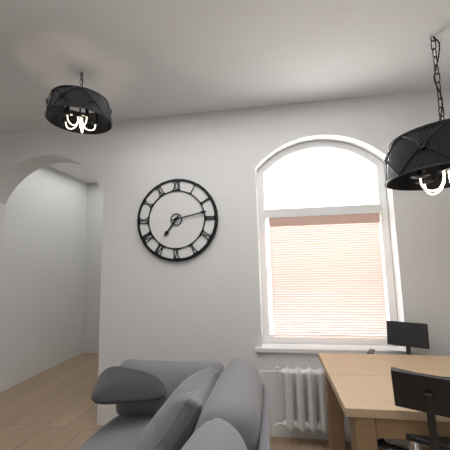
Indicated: **7:13**
